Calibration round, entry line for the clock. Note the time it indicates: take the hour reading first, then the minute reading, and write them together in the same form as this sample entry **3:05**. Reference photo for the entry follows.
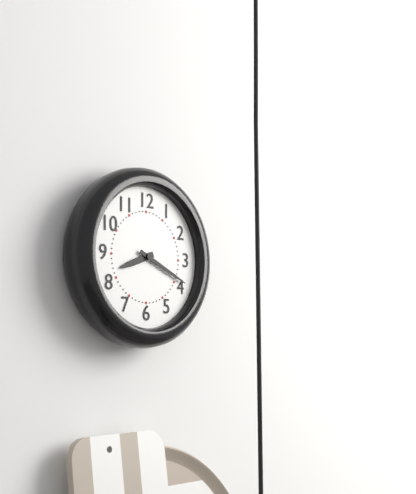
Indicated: **8:19**
